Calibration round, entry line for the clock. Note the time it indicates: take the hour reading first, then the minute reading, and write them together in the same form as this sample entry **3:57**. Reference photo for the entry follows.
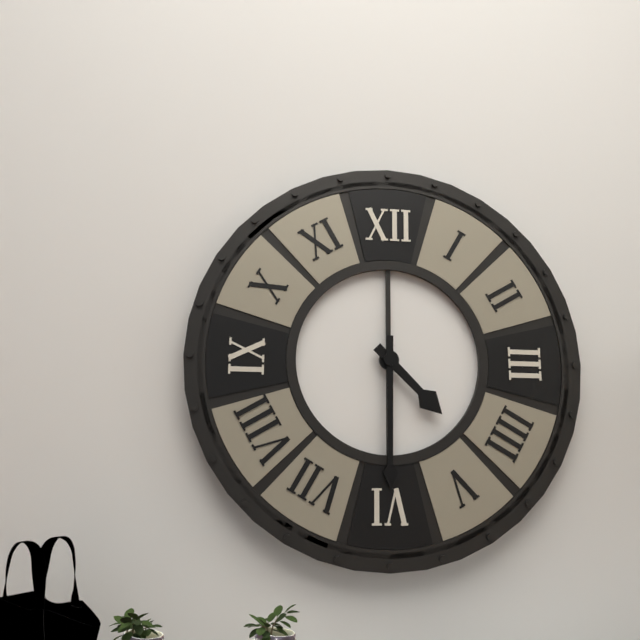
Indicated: **4:30**
